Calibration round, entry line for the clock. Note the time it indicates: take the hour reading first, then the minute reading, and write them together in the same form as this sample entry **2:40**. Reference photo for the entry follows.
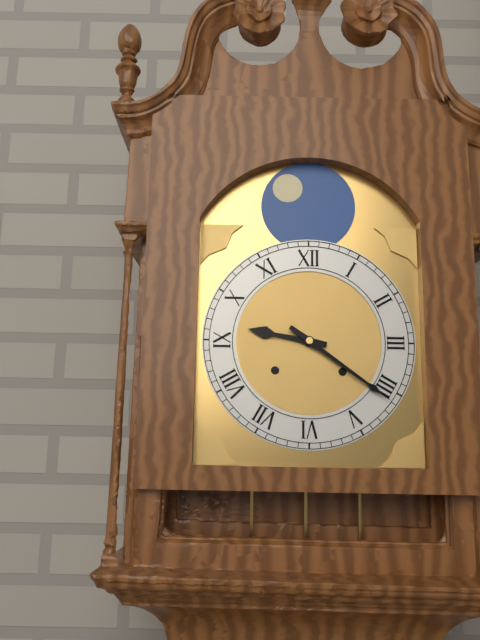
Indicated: **9:21**
